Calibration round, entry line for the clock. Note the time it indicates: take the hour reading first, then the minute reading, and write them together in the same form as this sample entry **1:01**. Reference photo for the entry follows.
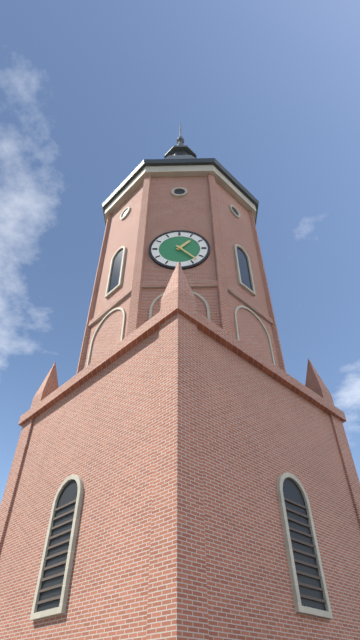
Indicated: **1:23**
